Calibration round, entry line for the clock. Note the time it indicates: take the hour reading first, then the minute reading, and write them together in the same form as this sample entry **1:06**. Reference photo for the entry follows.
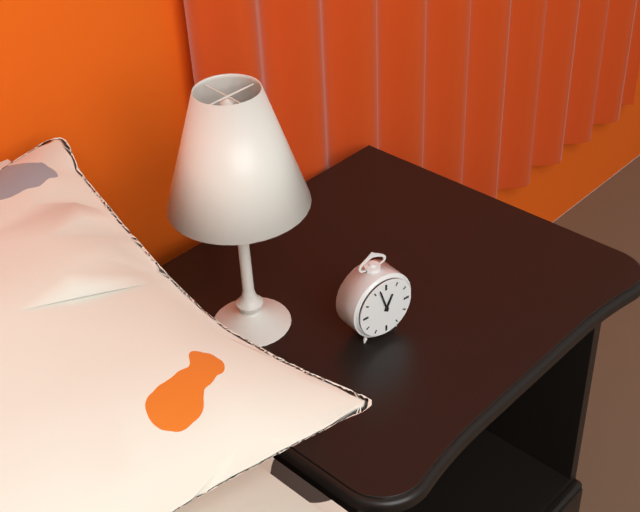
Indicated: **12:57**
